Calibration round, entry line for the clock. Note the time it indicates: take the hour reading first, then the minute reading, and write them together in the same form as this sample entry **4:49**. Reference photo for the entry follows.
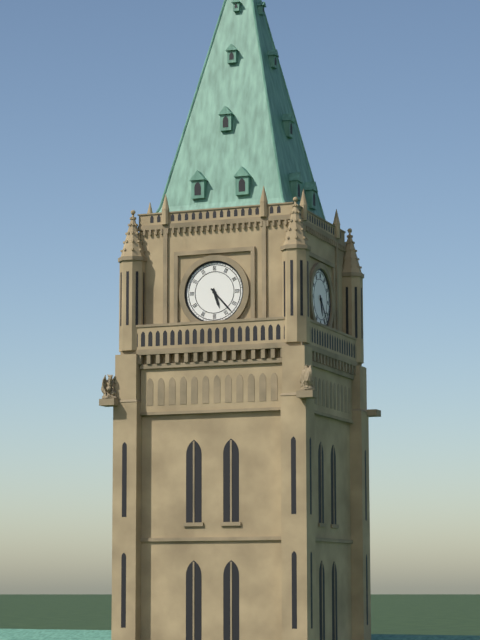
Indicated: **5:23**
